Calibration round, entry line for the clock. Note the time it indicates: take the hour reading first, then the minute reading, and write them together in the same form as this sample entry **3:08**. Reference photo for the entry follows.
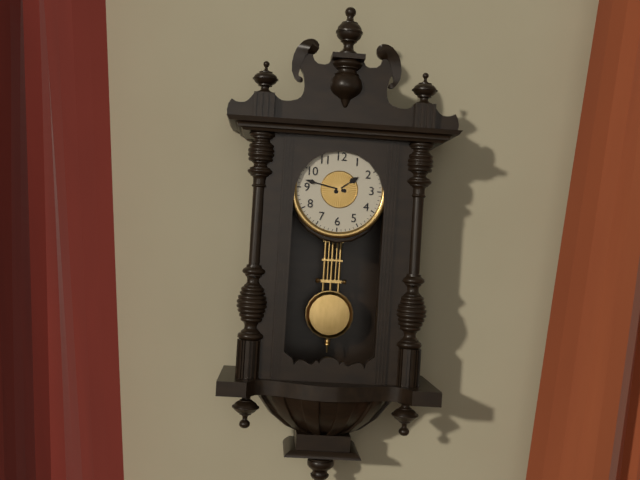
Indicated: **1:47**
